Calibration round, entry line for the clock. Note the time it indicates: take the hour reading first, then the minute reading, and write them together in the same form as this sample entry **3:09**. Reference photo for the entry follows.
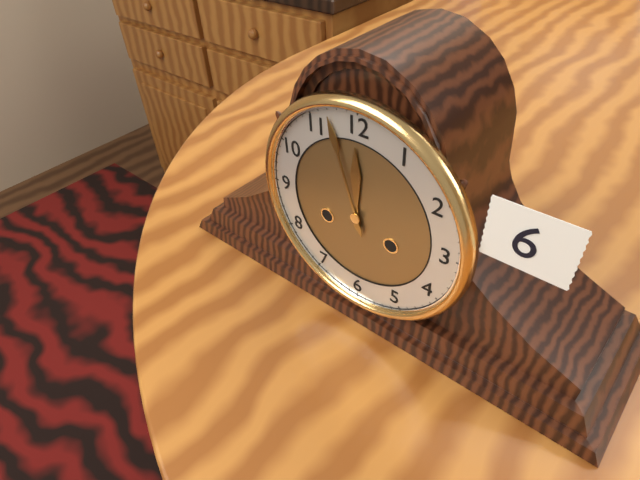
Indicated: **11:57**
